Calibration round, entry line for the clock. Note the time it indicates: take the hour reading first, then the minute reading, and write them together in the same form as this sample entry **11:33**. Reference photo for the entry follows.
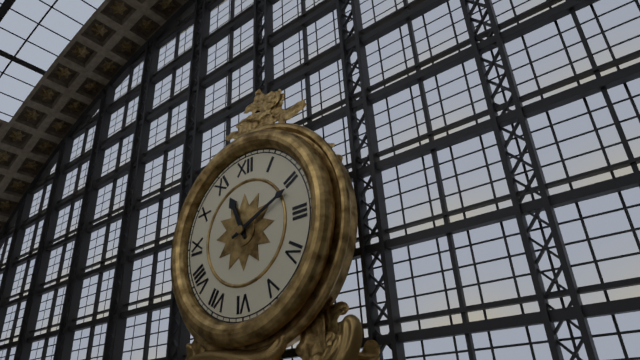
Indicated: **11:11**
